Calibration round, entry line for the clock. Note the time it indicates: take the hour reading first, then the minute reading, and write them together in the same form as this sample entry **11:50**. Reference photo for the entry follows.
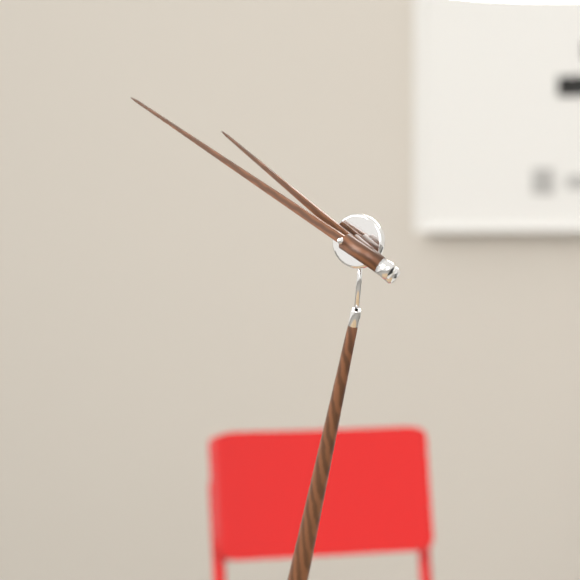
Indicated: **9:48**
